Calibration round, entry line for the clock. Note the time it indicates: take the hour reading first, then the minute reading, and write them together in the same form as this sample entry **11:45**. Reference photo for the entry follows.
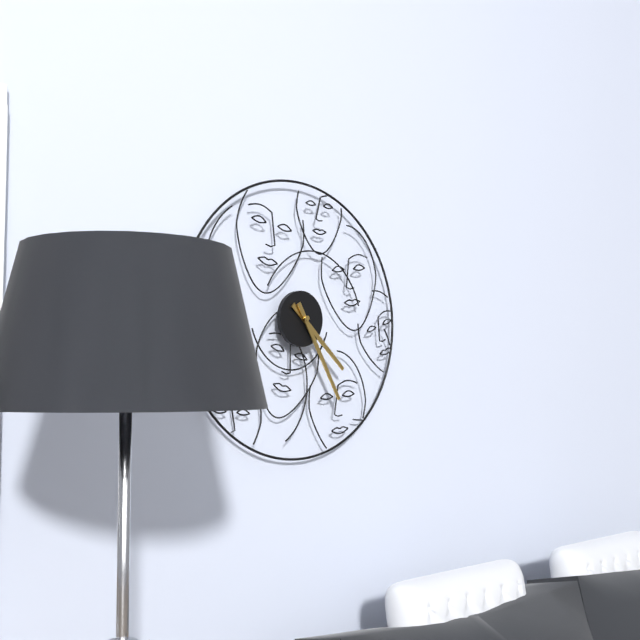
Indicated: **4:25**
